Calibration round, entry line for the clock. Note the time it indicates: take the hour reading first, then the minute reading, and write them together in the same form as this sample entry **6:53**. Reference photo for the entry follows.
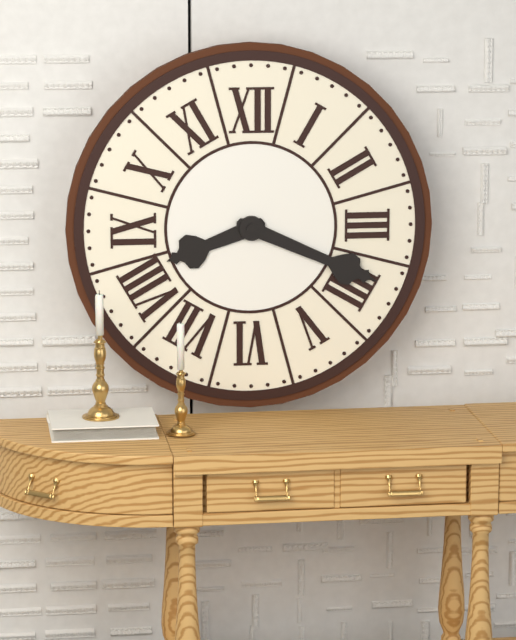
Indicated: **8:19**
